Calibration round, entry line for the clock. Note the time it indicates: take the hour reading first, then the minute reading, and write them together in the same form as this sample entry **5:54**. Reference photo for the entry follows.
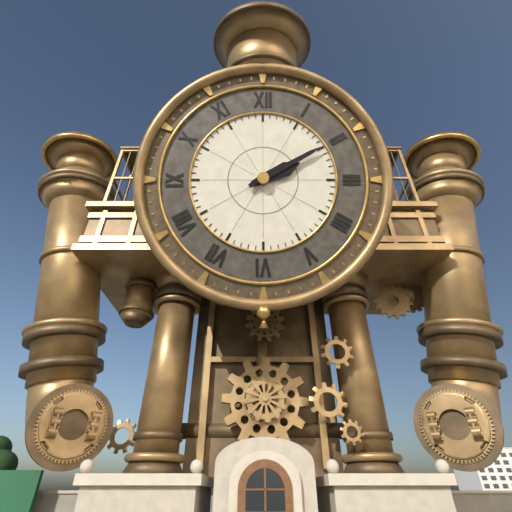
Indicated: **2:10**
